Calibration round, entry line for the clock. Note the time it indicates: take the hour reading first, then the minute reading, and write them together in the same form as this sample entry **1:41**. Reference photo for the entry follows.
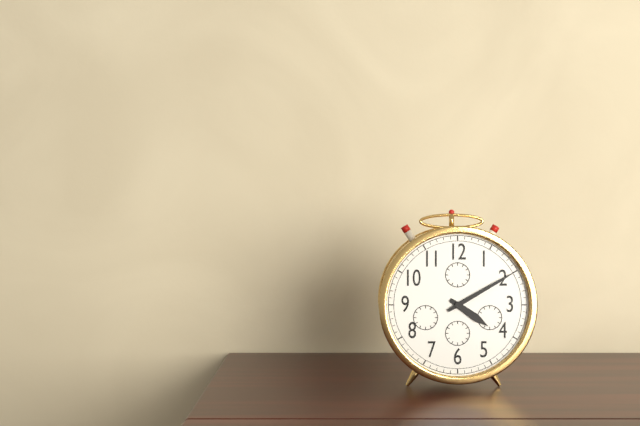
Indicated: **4:10**
